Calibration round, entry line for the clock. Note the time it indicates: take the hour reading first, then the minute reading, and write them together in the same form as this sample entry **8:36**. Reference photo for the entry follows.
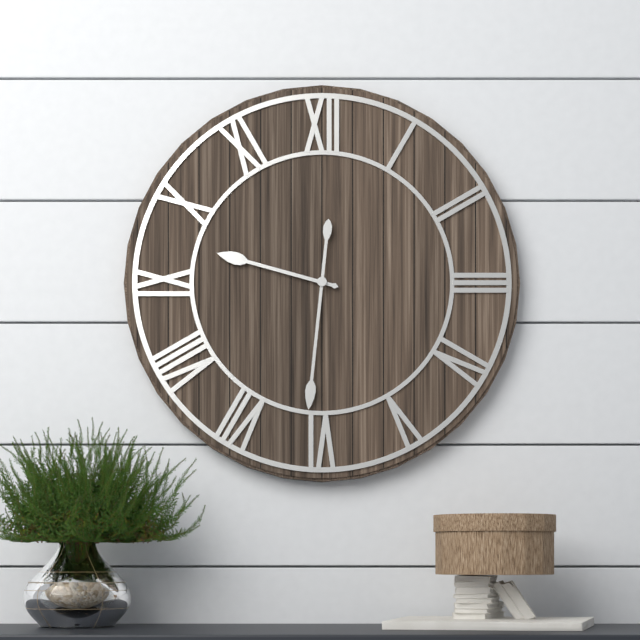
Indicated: **9:31**
